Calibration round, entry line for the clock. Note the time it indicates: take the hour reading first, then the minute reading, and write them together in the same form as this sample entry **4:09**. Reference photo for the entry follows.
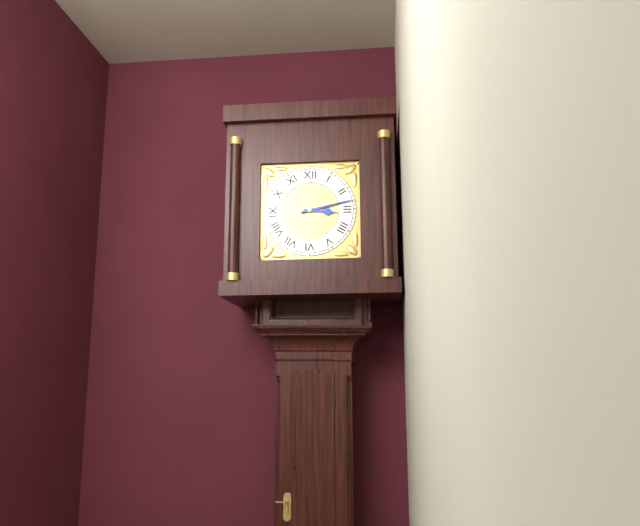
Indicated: **3:13**
